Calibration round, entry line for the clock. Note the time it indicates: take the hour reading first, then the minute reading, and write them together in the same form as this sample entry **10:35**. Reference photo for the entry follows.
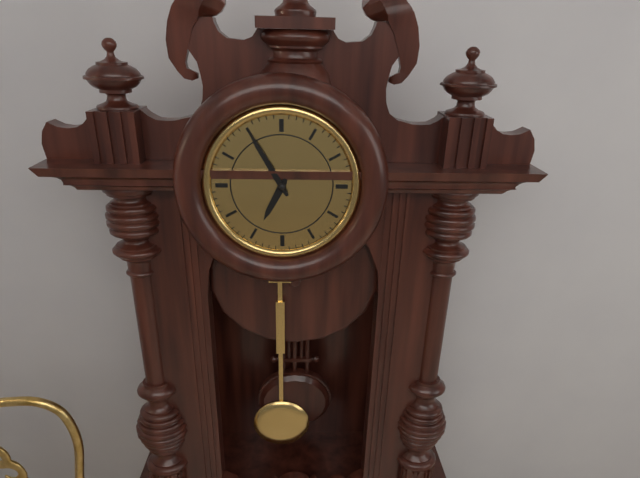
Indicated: **6:55**
